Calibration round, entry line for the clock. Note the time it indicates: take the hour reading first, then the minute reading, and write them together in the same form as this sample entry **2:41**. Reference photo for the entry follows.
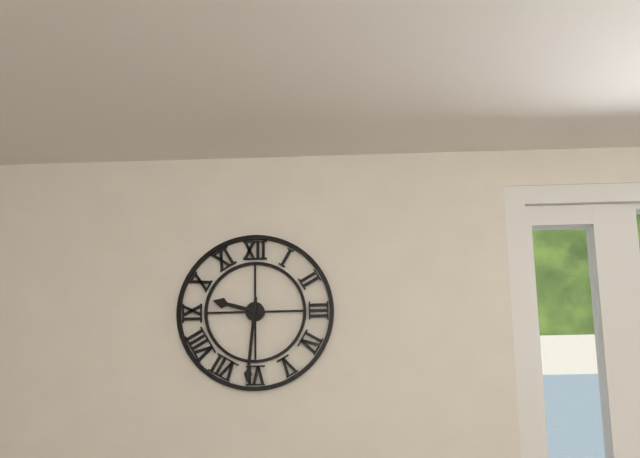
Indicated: **9:31**
